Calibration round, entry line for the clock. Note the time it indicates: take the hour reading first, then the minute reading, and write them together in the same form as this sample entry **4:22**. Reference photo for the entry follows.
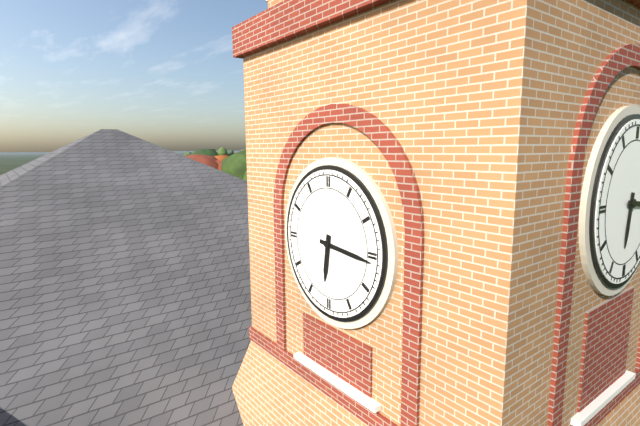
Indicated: **6:16**
